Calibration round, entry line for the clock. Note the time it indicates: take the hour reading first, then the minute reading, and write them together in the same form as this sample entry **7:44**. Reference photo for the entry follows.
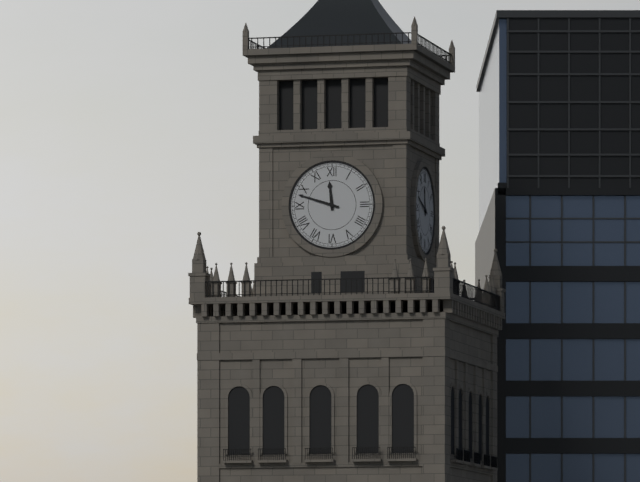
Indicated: **11:48**
